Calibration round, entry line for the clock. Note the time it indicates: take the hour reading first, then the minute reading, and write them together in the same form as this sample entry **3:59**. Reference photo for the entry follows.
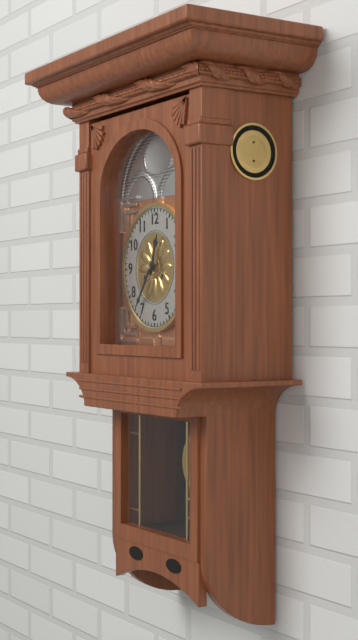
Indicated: **12:36**
